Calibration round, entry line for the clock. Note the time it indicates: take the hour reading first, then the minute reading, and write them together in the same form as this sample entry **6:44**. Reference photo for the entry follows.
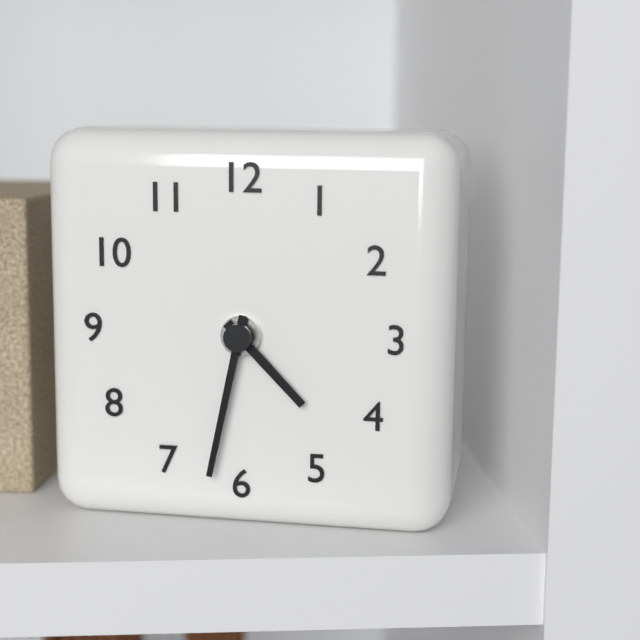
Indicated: **4:32**
